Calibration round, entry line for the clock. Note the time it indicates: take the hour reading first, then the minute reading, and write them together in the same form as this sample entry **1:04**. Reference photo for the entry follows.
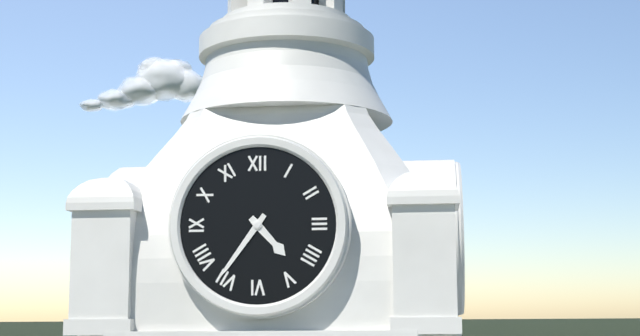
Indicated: **4:36**
